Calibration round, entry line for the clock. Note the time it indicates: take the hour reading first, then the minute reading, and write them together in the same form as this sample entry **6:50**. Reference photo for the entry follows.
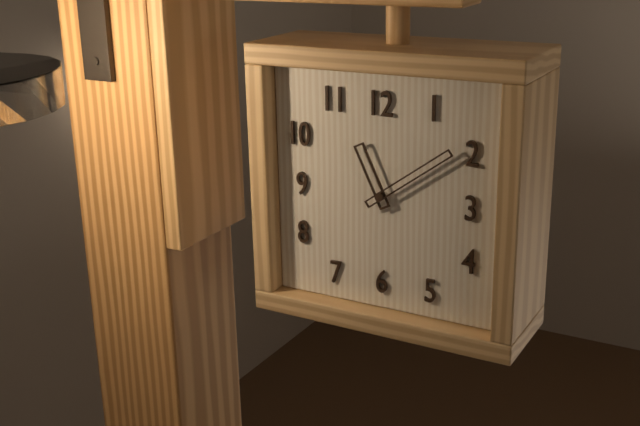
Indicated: **11:09**
